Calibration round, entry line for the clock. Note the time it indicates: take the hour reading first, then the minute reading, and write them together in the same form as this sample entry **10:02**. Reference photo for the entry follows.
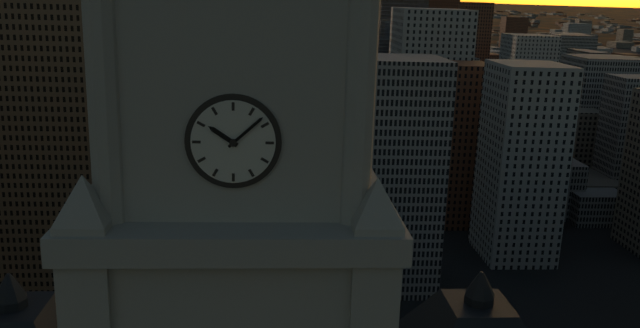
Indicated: **10:08**
